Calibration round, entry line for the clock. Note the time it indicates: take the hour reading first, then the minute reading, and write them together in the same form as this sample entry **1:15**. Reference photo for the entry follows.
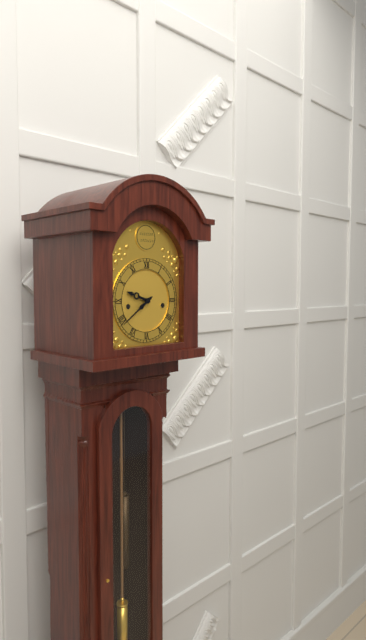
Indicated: **9:39**
